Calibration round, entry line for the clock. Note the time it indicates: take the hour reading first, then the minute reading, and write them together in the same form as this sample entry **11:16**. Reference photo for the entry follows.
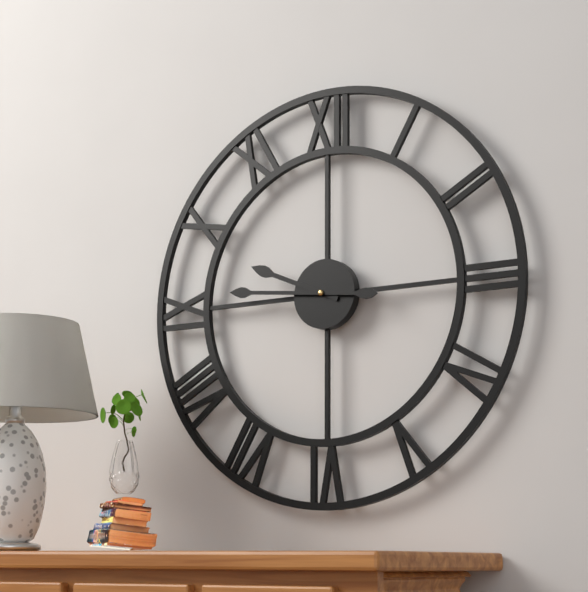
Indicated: **9:46**
